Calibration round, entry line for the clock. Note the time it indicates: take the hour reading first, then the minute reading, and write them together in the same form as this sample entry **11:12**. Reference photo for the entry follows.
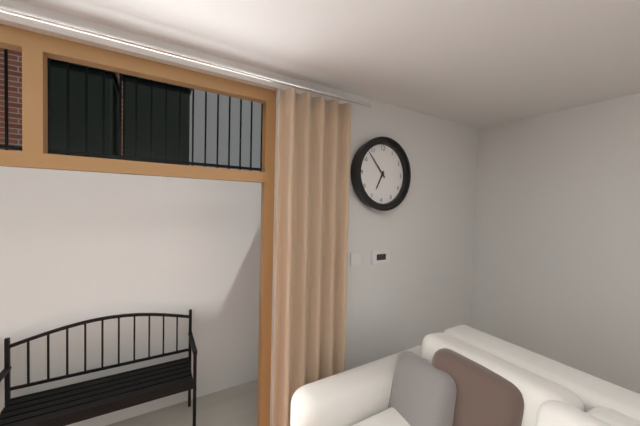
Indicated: **6:53**
